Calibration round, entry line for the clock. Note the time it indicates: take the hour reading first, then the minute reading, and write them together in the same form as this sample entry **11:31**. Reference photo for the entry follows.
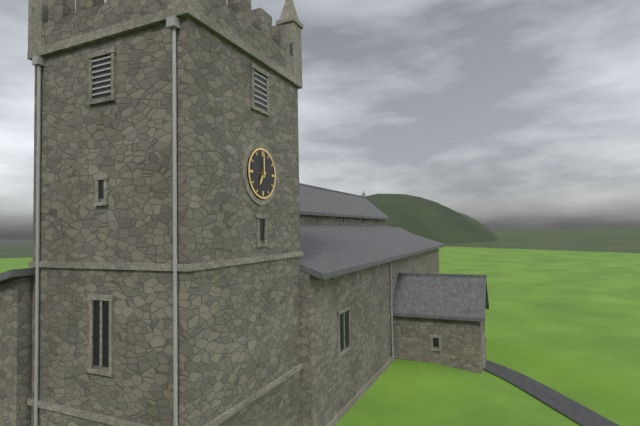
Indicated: **7:00**
